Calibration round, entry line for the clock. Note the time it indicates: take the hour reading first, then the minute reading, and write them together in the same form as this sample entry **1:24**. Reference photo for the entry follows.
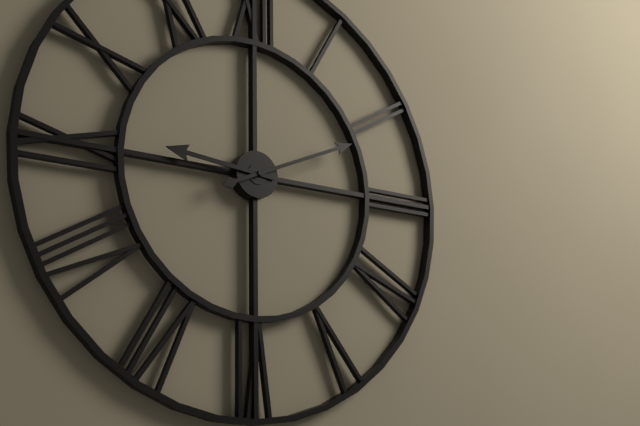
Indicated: **9:11**
